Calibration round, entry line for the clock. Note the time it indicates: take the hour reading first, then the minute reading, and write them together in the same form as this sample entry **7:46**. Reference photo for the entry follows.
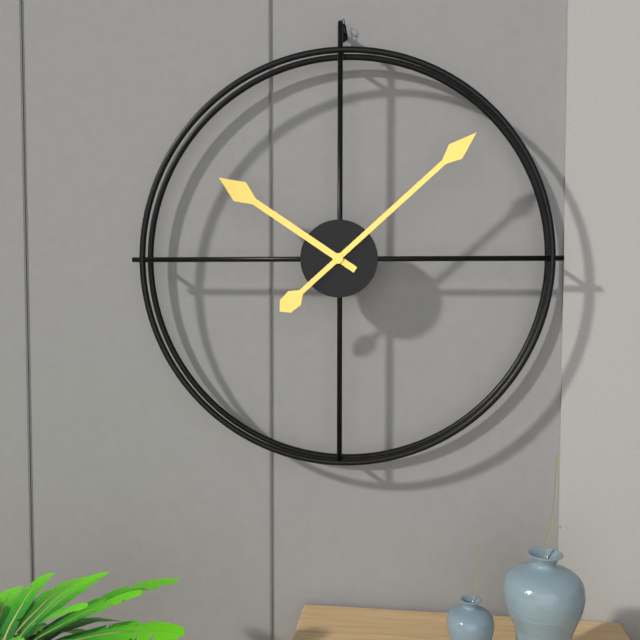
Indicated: **10:08**
